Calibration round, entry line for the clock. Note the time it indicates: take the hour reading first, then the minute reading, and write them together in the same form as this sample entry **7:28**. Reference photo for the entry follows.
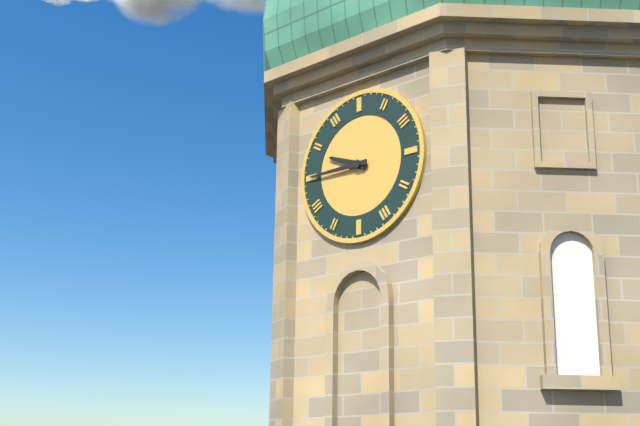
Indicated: **9:45**
